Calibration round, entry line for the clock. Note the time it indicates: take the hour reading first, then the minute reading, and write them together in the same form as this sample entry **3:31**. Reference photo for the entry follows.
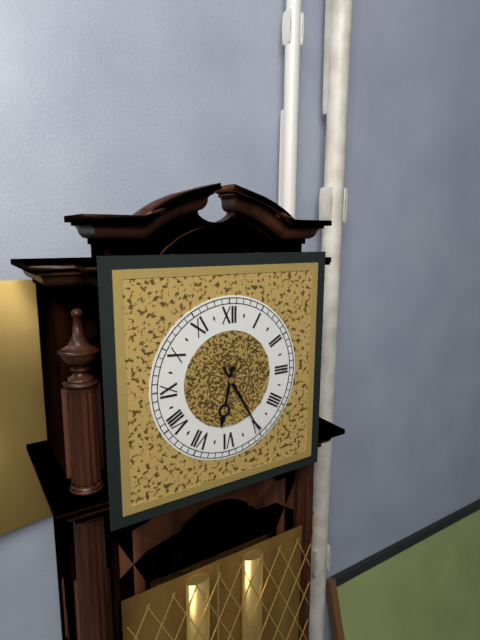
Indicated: **6:25**
